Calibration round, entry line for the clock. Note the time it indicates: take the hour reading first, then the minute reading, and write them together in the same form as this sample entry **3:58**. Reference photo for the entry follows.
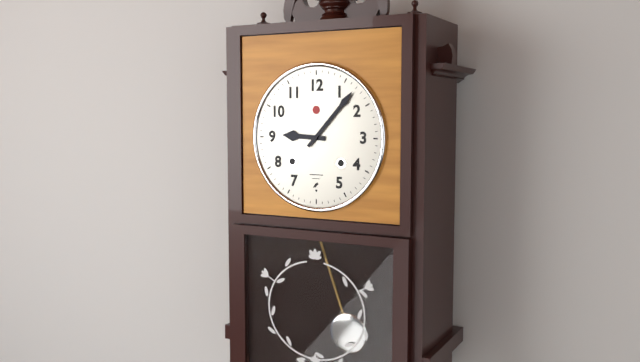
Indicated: **9:07**
